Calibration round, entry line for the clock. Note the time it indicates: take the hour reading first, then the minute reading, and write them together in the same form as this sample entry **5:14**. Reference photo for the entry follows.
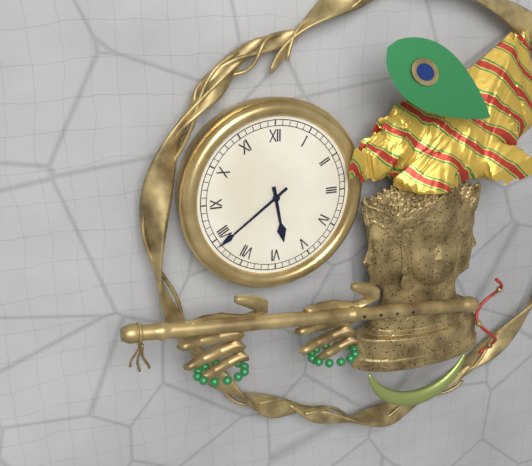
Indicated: **5:39**
